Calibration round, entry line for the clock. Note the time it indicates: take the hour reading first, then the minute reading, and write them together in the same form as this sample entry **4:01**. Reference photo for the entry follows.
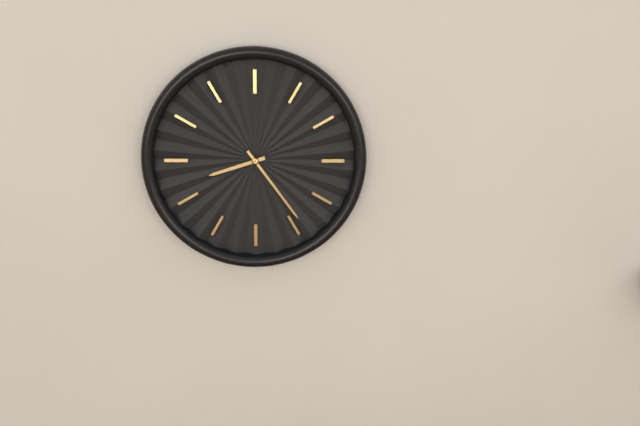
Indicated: **8:24**
